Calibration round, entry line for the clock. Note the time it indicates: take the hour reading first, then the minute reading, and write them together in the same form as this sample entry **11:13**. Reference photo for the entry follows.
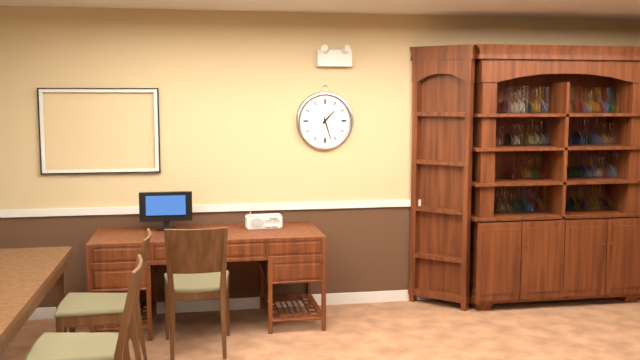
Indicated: **1:27**
